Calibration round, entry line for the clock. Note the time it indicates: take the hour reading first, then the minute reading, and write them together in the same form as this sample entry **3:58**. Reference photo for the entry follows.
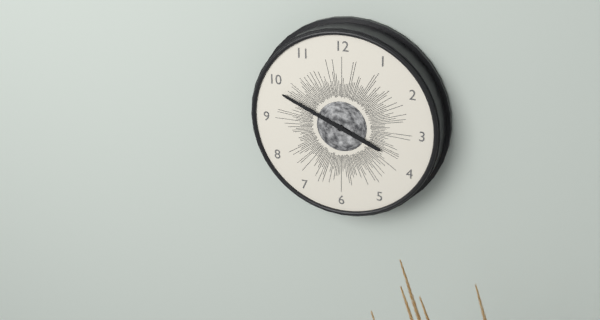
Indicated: **3:49**
